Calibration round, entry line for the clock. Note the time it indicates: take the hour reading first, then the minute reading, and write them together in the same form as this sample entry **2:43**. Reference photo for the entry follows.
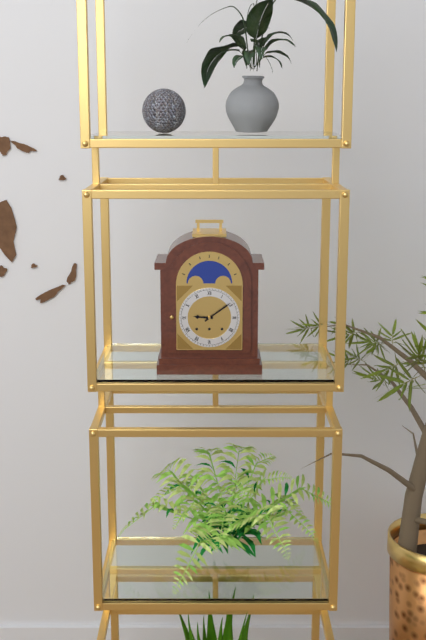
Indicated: **9:09**
